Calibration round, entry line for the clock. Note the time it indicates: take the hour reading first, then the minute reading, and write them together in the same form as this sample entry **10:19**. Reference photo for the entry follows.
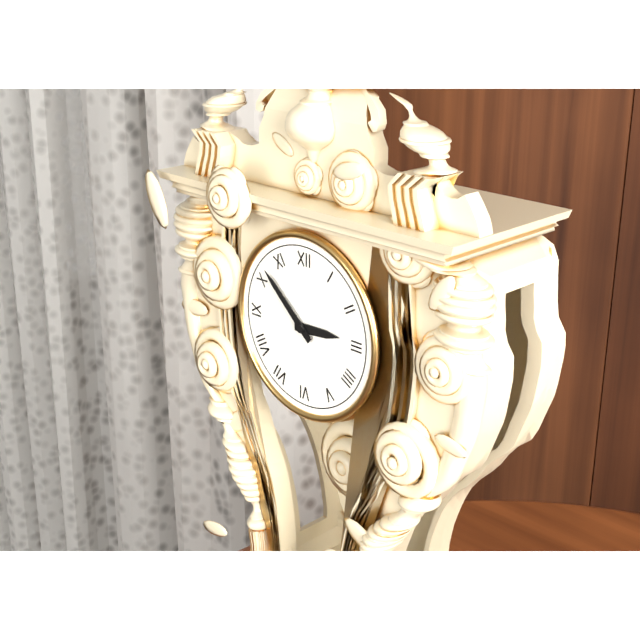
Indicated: **2:52**
